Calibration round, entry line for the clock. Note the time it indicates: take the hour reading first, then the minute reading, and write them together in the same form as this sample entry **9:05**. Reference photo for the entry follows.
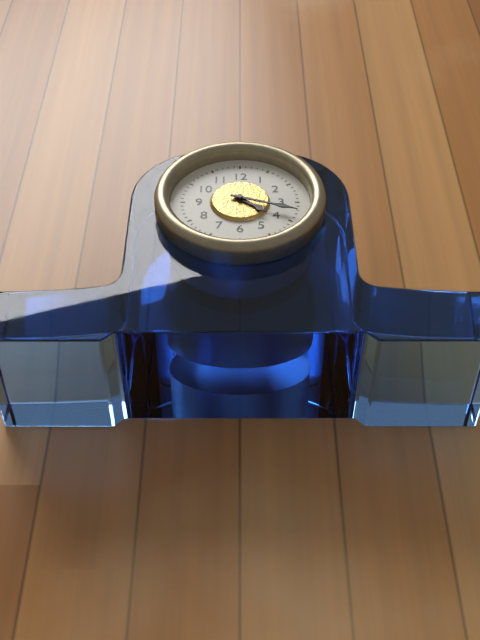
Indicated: **4:18**
